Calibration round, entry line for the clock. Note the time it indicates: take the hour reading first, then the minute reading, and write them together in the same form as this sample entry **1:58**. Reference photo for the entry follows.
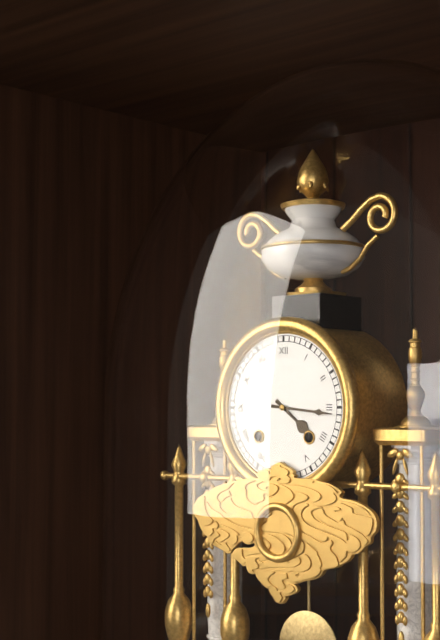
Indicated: **4:16**
